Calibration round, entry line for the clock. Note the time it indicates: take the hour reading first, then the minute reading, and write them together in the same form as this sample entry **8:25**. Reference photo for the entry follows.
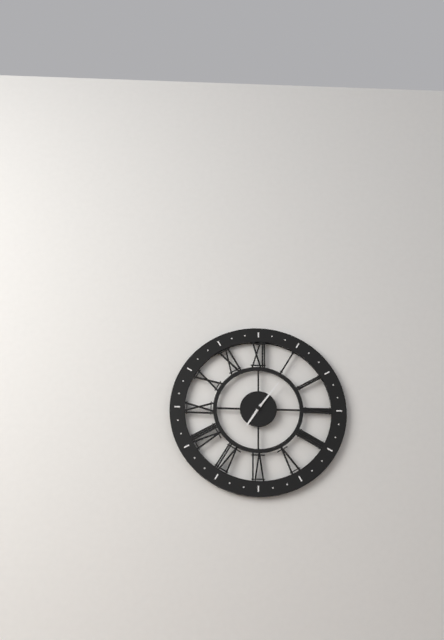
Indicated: **7:06**
